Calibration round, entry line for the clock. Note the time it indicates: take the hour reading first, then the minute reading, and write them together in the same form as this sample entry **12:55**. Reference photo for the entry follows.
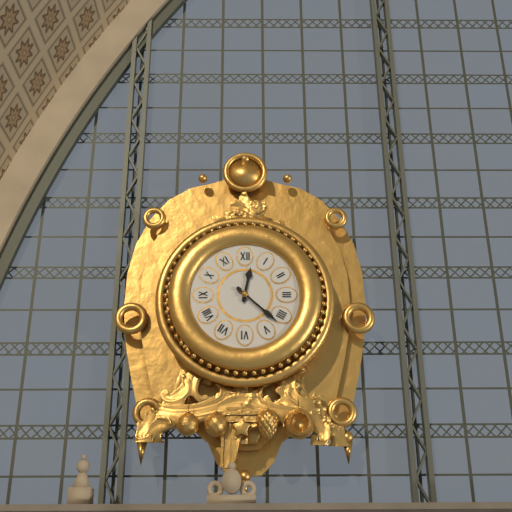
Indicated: **12:22**
